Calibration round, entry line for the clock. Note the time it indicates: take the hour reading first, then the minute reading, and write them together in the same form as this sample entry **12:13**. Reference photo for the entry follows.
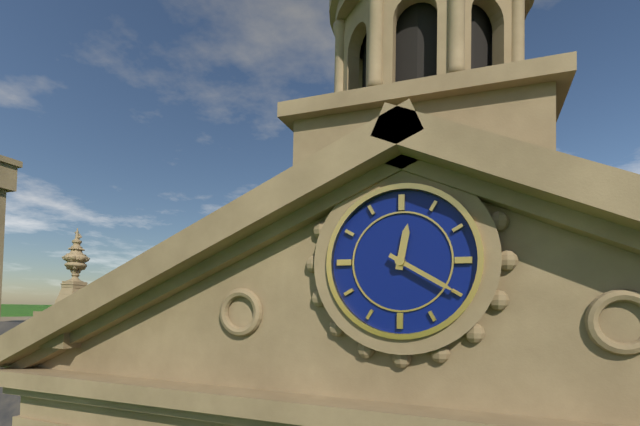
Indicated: **12:20**
